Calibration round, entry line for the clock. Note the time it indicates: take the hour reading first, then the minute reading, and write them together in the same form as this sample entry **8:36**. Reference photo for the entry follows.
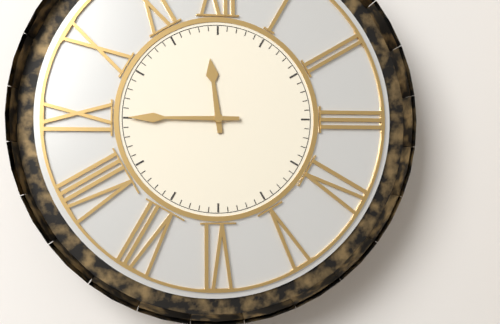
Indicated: **11:45**
